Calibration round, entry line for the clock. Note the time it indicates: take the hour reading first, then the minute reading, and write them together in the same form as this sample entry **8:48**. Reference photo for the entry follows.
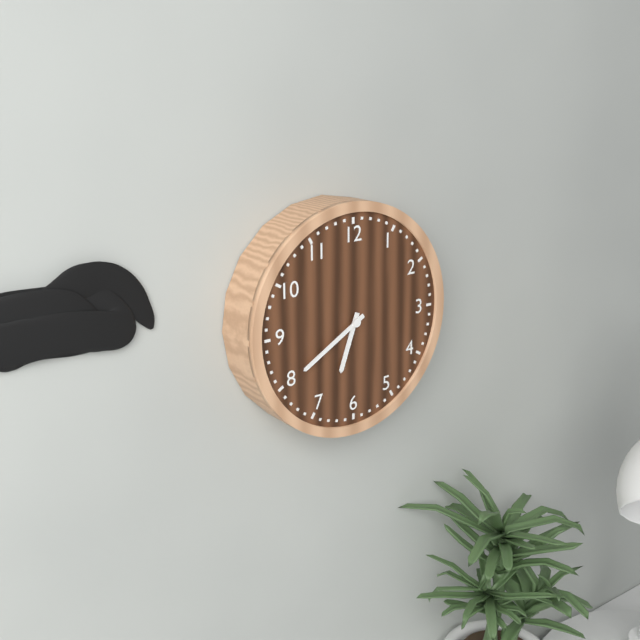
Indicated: **6:40**
